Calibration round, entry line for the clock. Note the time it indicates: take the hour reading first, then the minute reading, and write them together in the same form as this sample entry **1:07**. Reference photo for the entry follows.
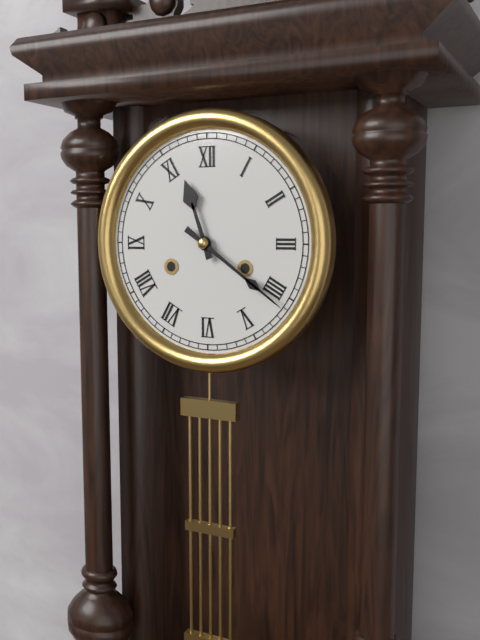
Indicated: **11:21**
